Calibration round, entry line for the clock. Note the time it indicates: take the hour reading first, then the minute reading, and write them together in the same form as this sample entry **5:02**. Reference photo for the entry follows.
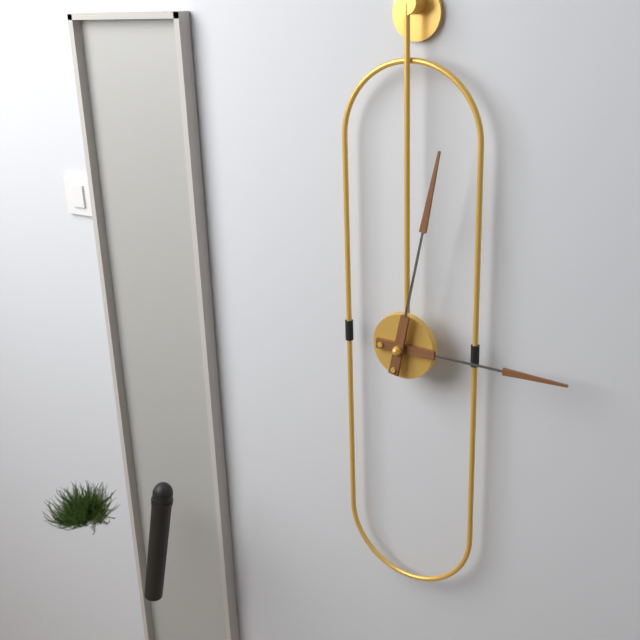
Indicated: **3:02**
